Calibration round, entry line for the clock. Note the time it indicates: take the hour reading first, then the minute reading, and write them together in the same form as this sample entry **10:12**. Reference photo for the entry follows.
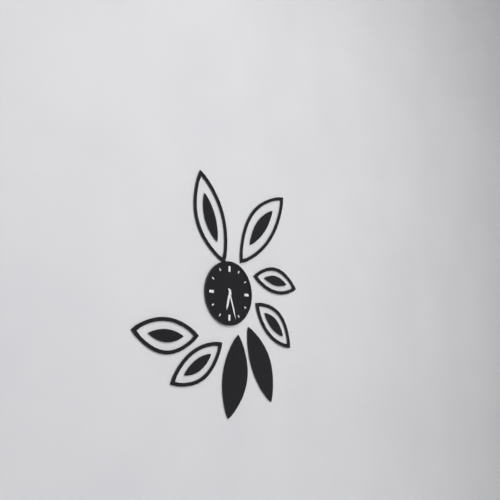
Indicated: **6:27**
